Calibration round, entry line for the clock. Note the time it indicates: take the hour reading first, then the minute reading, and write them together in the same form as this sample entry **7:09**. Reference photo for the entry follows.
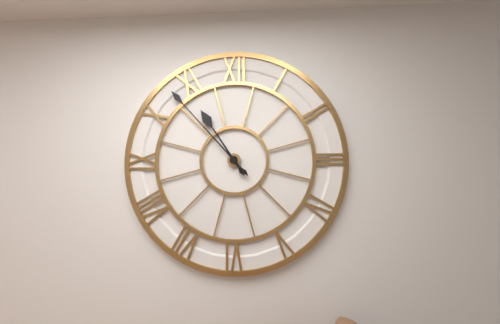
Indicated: **10:53**
